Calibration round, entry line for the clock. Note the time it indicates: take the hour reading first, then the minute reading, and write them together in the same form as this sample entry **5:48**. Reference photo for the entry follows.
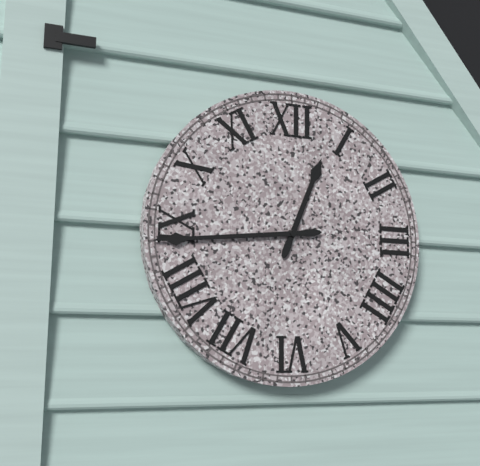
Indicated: **12:44**
